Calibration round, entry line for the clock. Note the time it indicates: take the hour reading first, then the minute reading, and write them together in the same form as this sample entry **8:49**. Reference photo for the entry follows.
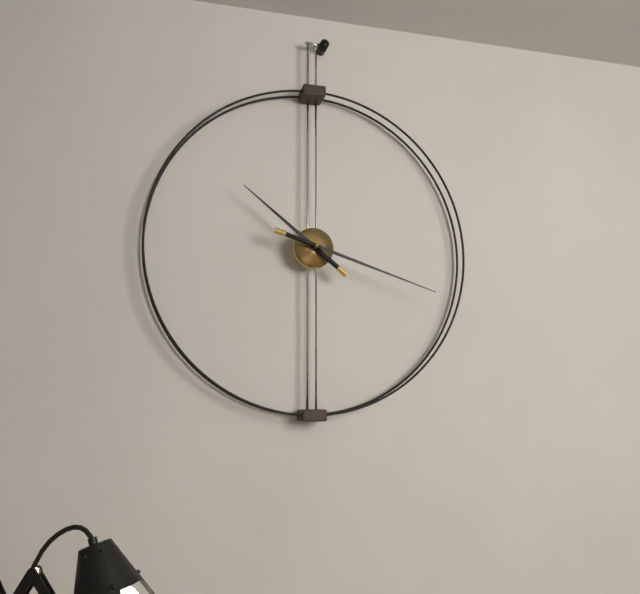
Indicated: **10:18**
